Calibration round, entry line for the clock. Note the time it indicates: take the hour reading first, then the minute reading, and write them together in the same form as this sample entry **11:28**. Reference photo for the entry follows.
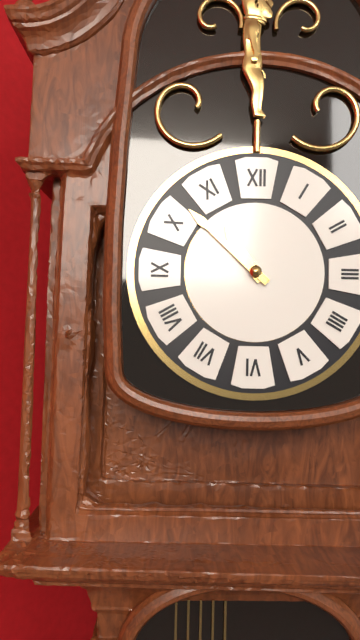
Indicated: **10:52**
